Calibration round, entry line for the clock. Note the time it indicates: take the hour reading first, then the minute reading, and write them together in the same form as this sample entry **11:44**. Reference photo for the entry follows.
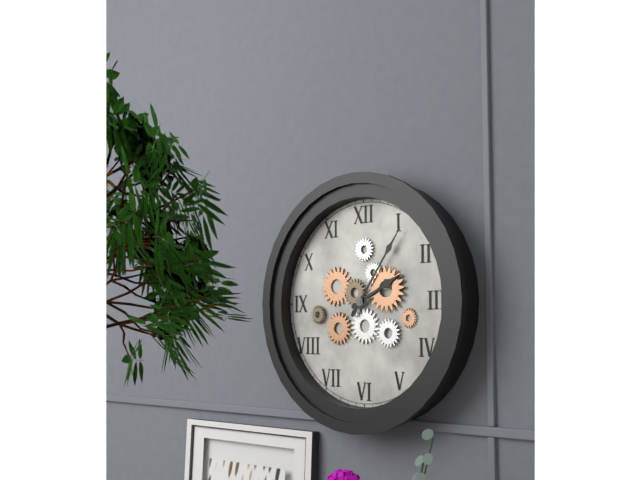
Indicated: **2:06**
